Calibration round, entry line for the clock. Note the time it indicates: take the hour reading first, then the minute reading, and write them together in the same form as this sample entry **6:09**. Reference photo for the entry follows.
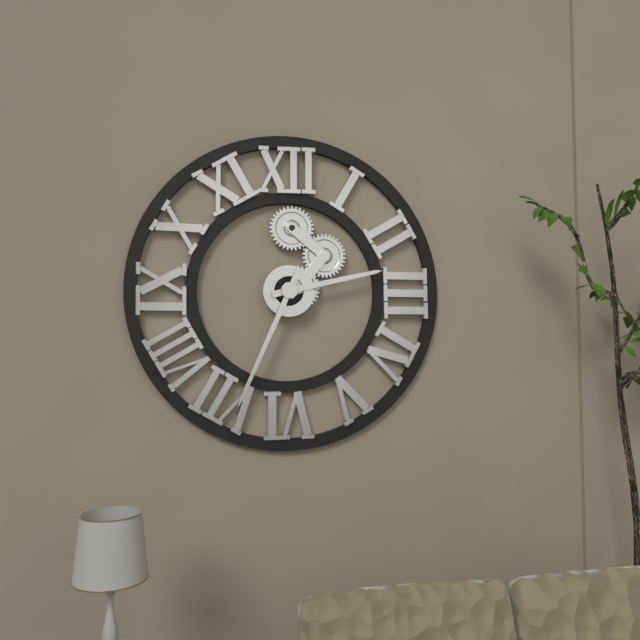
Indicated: **2:34**
